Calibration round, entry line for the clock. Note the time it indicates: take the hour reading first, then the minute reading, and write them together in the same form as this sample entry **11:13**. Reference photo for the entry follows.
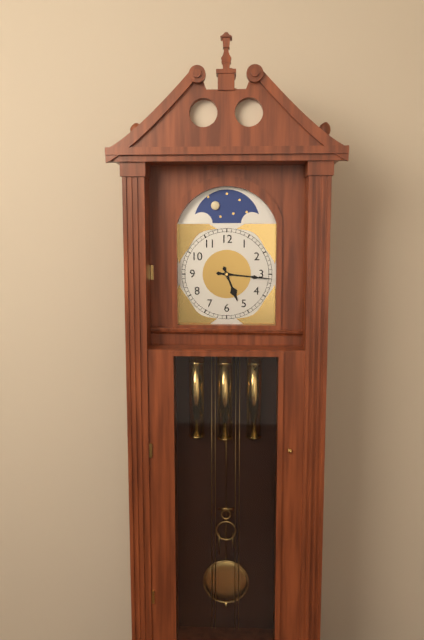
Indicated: **5:16**
